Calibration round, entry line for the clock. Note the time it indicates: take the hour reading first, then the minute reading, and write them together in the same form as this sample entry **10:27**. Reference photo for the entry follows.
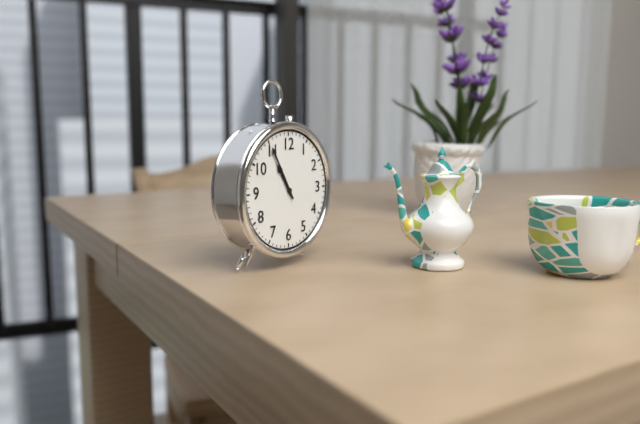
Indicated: **10:55**
